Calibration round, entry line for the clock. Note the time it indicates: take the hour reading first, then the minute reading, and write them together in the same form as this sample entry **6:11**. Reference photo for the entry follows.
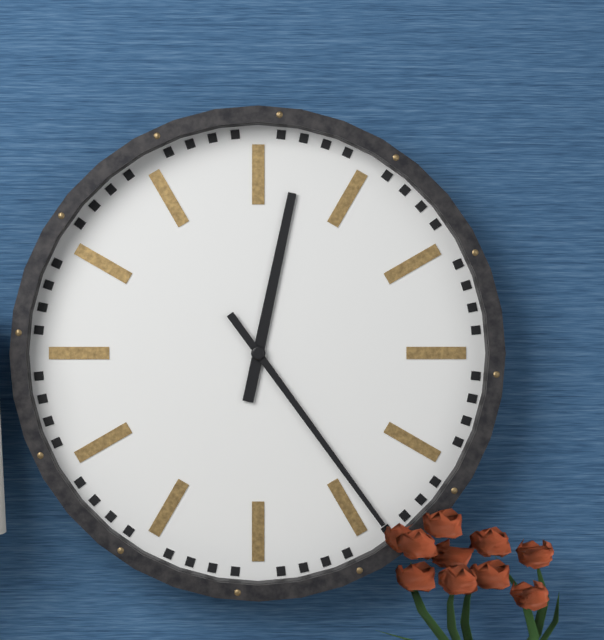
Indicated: **12:24**
